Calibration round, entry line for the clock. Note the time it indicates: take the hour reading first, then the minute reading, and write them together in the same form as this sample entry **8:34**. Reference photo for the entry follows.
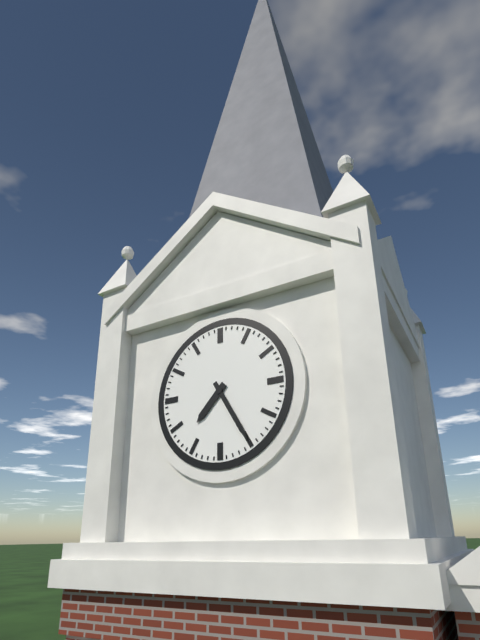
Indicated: **7:25**
